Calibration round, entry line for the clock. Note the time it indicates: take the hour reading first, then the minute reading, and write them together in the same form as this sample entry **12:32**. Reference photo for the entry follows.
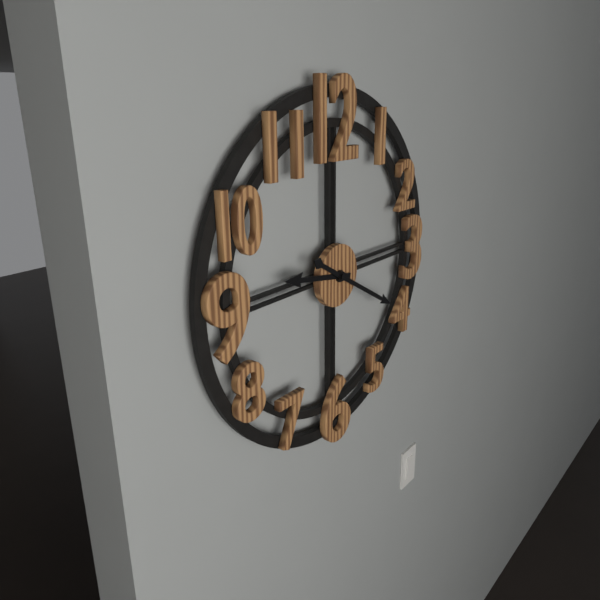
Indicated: **9:20**
